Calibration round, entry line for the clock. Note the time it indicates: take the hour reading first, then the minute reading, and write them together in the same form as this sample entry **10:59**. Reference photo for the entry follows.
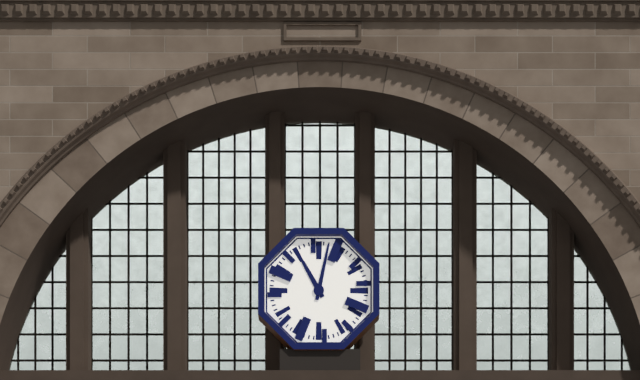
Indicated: **11:02**
